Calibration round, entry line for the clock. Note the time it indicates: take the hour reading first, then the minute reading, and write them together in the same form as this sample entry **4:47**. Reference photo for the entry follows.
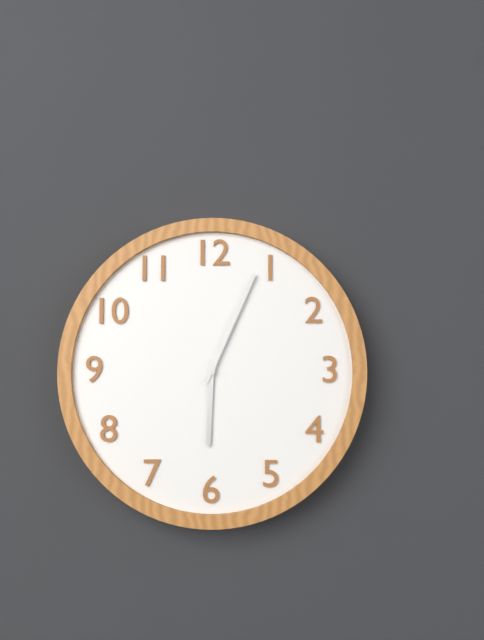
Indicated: **6:04**
